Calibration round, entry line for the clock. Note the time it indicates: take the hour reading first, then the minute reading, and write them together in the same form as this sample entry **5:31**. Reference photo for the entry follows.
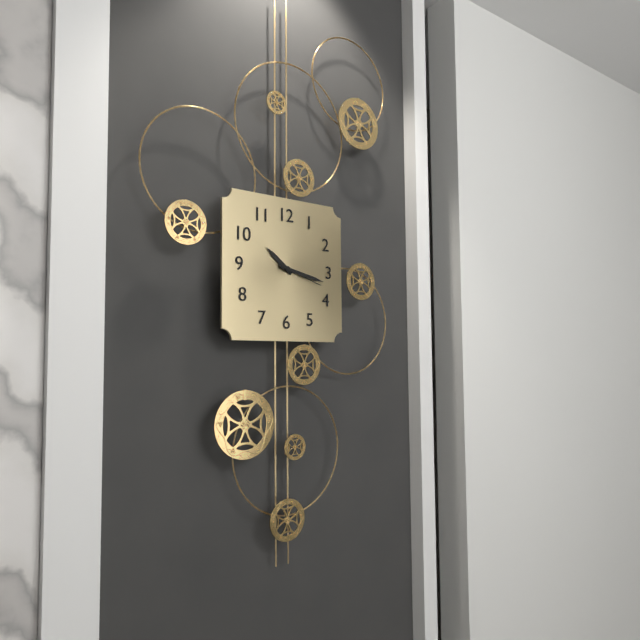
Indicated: **10:17**
